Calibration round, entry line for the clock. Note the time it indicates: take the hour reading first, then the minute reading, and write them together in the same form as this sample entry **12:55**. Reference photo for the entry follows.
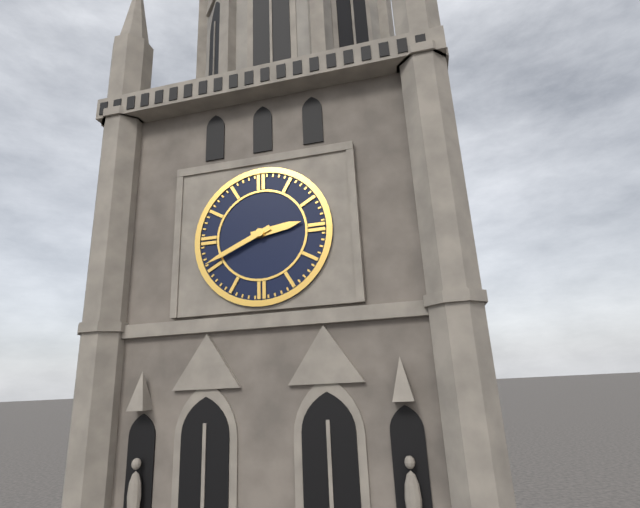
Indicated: **2:41**
